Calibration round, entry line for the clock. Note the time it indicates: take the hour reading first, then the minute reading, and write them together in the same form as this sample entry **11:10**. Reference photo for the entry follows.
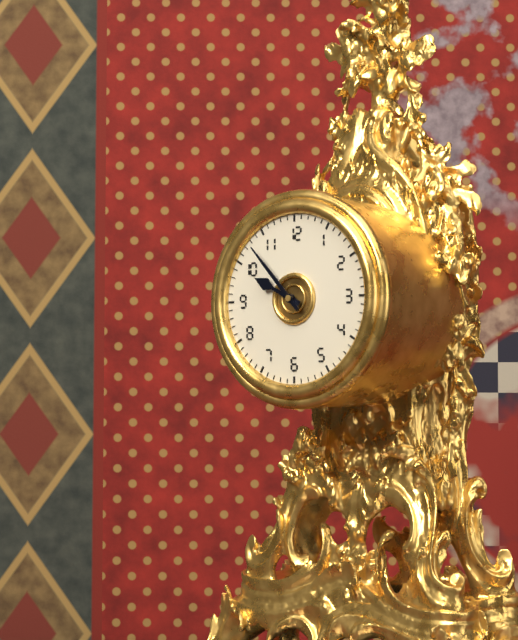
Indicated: **9:53**
